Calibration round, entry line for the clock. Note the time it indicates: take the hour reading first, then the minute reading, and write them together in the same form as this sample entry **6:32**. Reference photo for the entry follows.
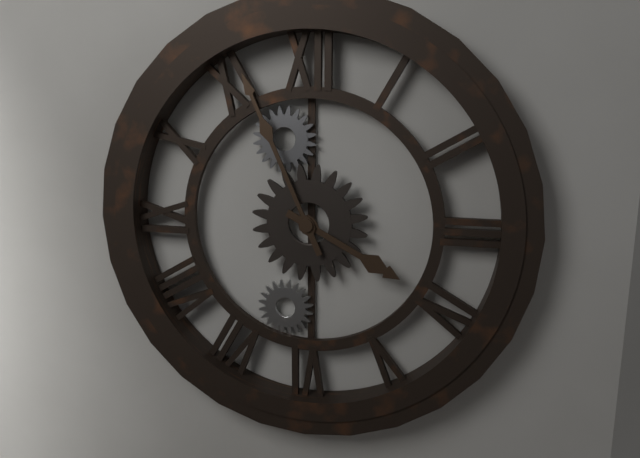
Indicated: **3:56**
